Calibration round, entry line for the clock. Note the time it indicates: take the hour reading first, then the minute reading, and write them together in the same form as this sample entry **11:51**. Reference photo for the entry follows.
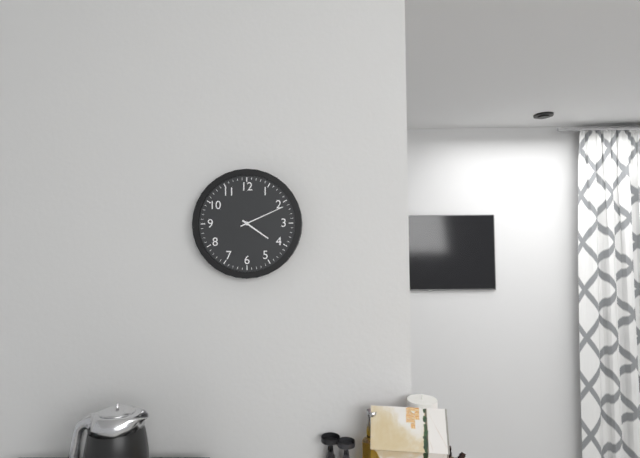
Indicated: **4:11**
